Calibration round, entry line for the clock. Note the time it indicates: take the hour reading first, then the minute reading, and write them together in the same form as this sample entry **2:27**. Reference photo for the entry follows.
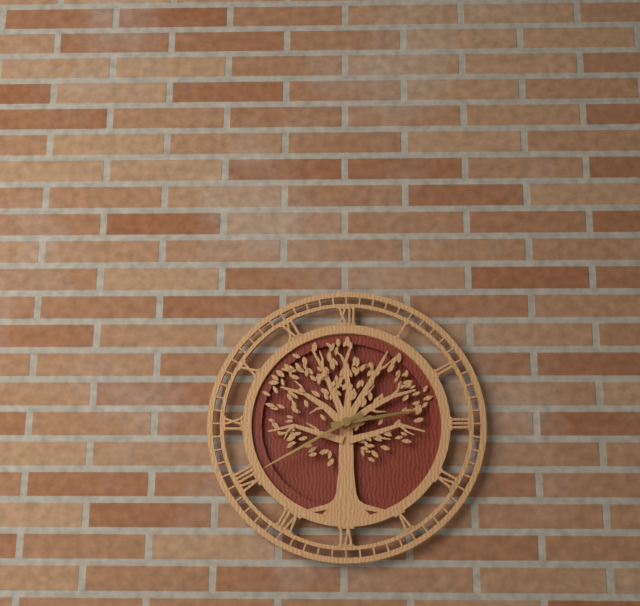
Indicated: **2:40**
